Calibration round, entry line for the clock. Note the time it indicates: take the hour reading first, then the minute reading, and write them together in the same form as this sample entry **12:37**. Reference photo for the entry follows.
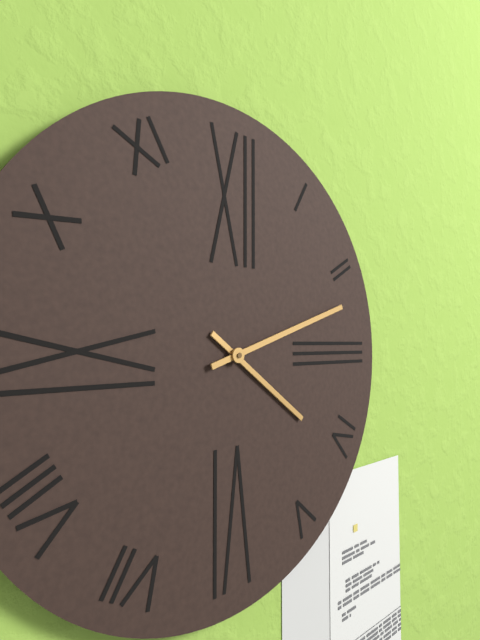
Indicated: **4:12**
